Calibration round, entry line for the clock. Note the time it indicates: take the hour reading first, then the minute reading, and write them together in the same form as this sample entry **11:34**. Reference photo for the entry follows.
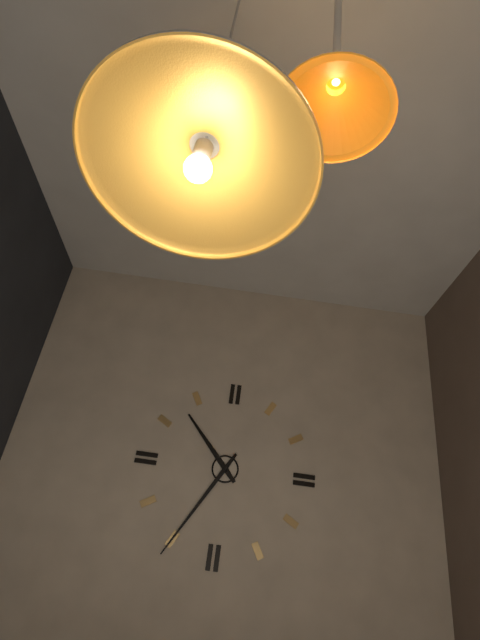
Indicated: **10:35**
